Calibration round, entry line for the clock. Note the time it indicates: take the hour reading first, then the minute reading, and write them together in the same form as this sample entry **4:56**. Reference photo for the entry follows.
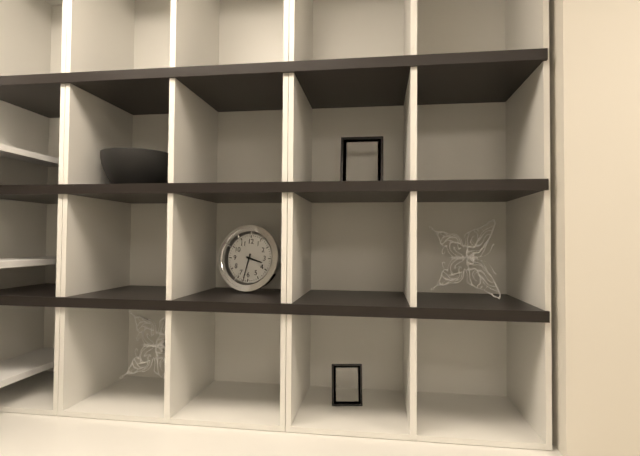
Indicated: **3:32**
